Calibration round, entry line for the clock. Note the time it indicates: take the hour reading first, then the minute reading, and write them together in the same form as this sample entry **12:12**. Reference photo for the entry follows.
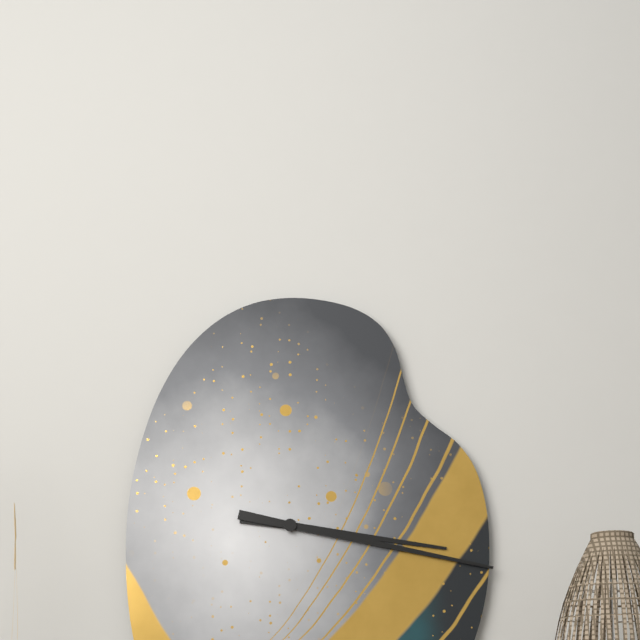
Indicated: **3:17**
